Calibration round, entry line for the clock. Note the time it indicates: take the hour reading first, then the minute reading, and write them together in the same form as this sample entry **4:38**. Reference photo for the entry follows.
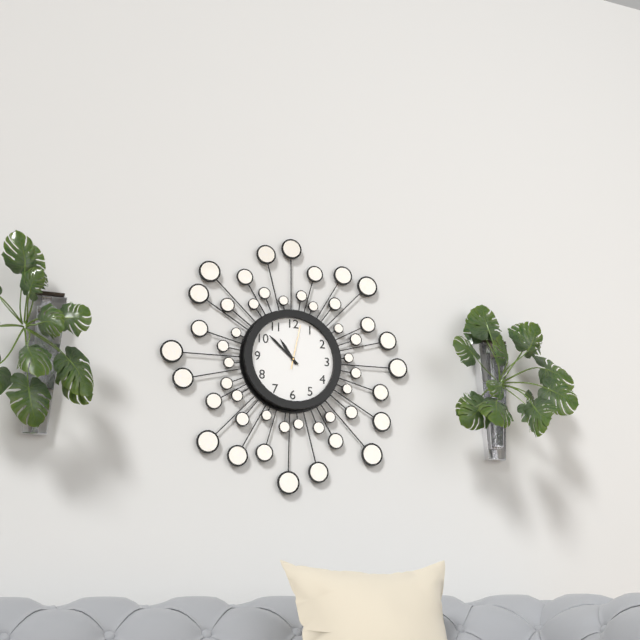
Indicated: **10:52**
